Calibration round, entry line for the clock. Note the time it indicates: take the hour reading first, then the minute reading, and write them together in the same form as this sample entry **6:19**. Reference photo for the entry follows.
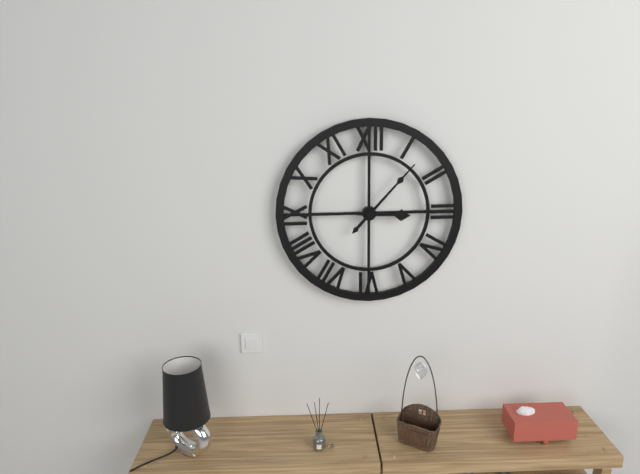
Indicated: **3:07**
